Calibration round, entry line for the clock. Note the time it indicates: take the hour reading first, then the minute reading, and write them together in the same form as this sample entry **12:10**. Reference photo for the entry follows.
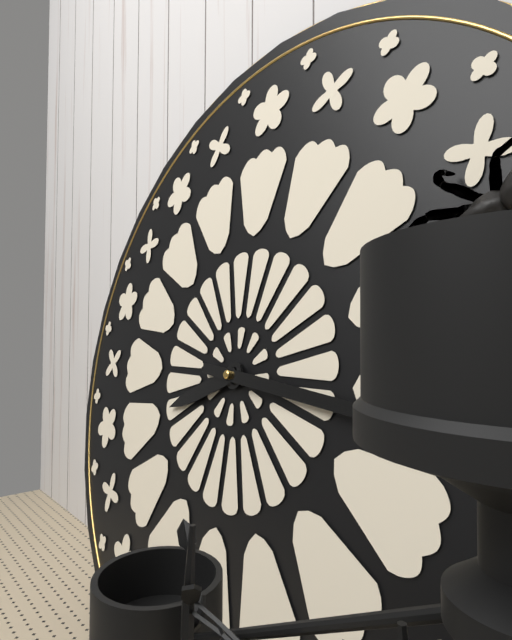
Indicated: **8:16**
